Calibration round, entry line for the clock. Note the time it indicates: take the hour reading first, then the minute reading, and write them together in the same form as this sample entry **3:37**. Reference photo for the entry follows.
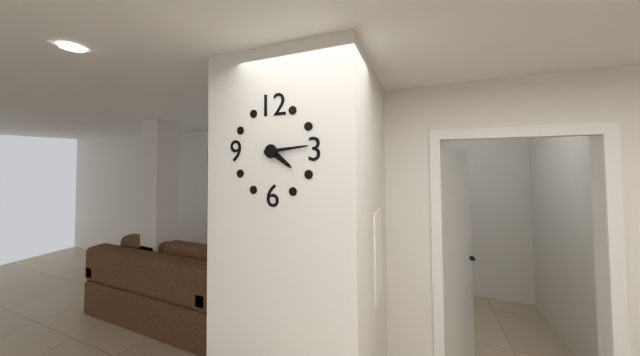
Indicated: **4:14**
